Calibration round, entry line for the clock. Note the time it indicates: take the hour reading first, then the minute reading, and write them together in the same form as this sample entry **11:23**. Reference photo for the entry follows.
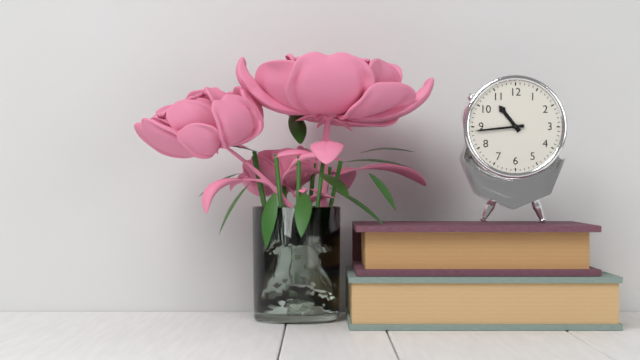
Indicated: **10:44**
